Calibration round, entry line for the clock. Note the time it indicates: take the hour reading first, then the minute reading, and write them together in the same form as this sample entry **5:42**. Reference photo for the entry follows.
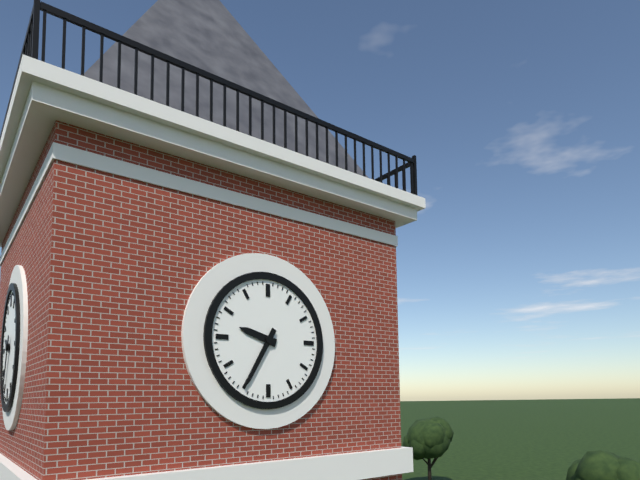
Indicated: **9:35**
